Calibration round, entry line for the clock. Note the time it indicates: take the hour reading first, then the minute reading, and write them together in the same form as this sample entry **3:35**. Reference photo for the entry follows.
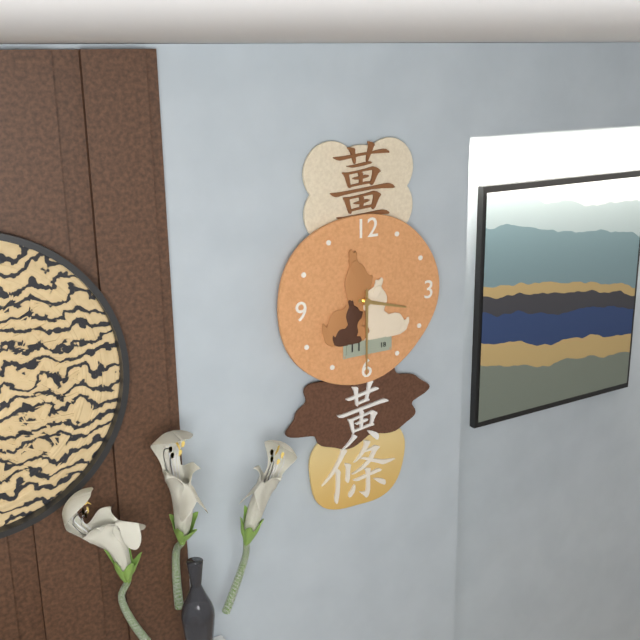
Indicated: **3:30**
